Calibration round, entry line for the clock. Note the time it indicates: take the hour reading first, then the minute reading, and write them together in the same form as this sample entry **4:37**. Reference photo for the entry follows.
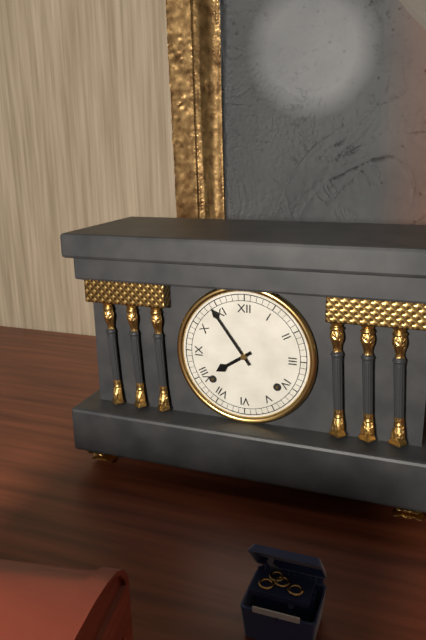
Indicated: **7:54**
